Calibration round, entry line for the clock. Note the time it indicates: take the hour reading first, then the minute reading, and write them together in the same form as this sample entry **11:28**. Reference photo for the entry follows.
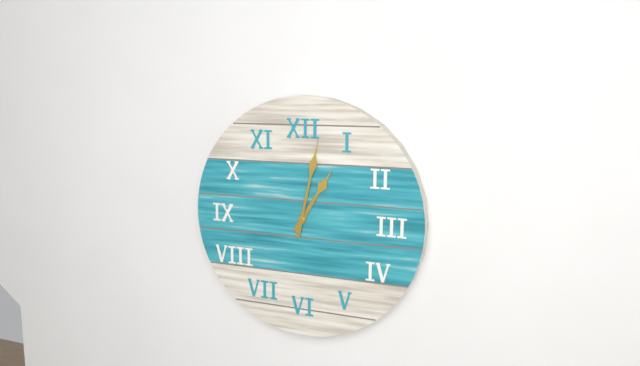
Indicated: **1:02**
